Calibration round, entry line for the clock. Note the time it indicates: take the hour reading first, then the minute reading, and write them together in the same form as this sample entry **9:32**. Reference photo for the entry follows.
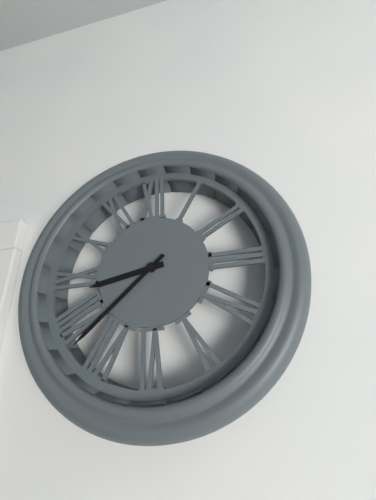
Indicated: **8:38**
